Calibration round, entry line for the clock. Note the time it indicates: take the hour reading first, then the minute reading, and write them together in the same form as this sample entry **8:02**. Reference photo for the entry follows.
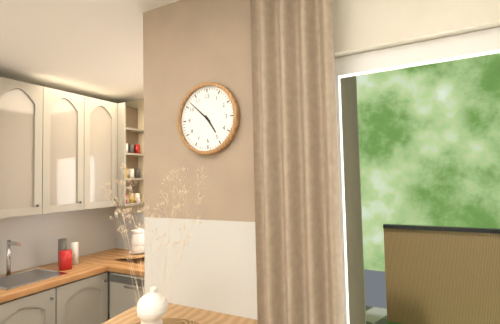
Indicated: **4:52**
